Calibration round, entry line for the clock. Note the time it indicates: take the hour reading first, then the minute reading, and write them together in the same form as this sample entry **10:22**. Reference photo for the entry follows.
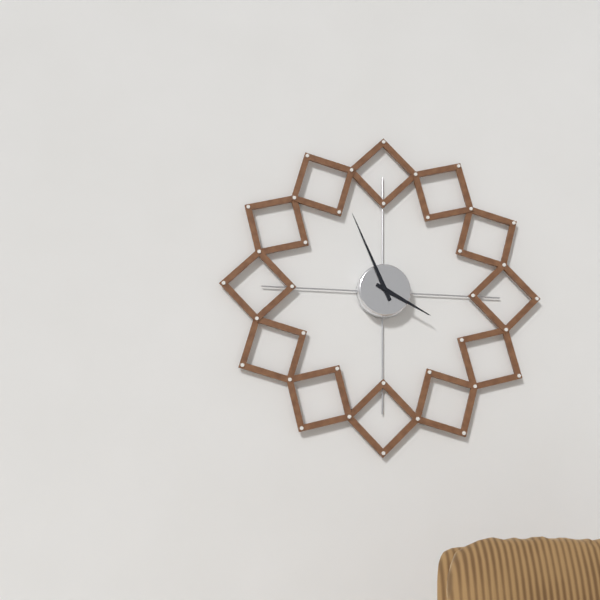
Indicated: **3:56**
